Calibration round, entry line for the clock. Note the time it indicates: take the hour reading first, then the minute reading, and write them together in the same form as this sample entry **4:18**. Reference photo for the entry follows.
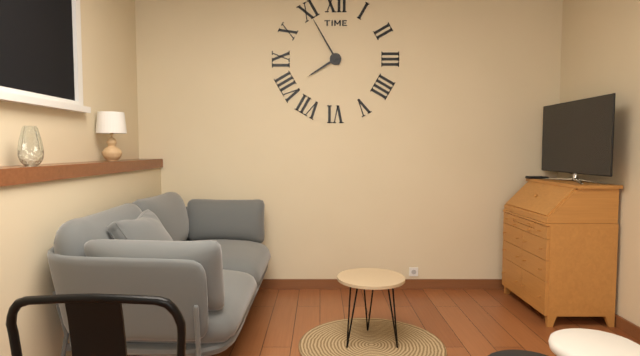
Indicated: **7:55**
